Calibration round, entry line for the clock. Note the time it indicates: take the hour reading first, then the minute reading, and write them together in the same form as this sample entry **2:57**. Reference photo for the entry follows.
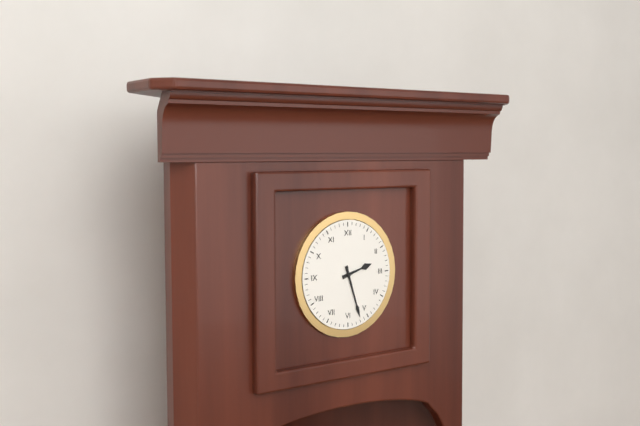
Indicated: **2:27**
